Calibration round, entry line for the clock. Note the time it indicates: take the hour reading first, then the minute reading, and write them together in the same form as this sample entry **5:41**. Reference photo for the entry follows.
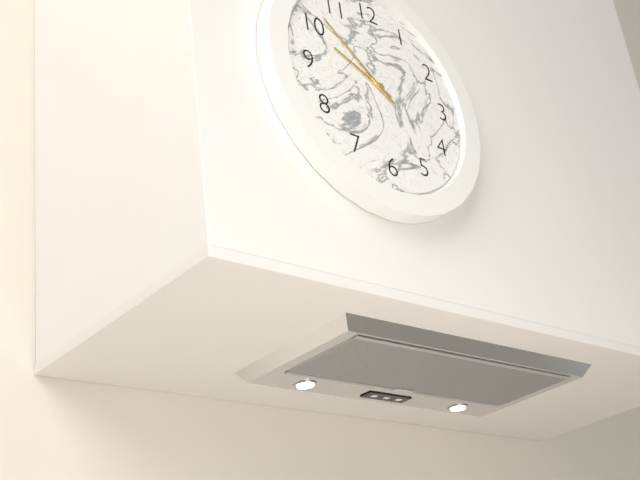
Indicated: **9:52**
